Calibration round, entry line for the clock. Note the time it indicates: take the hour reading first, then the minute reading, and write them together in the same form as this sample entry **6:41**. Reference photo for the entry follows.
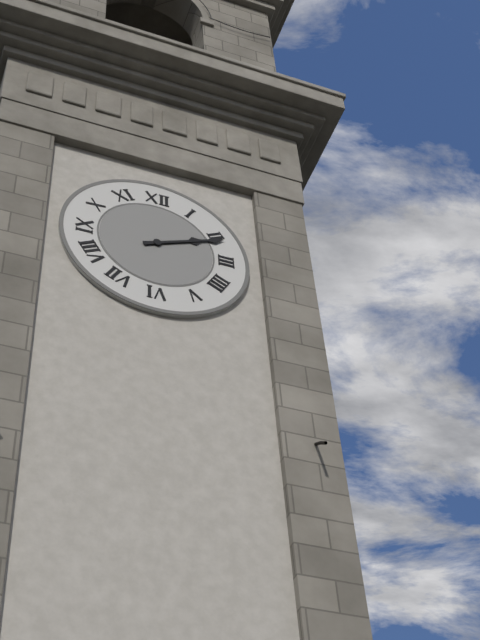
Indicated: **2:11**
